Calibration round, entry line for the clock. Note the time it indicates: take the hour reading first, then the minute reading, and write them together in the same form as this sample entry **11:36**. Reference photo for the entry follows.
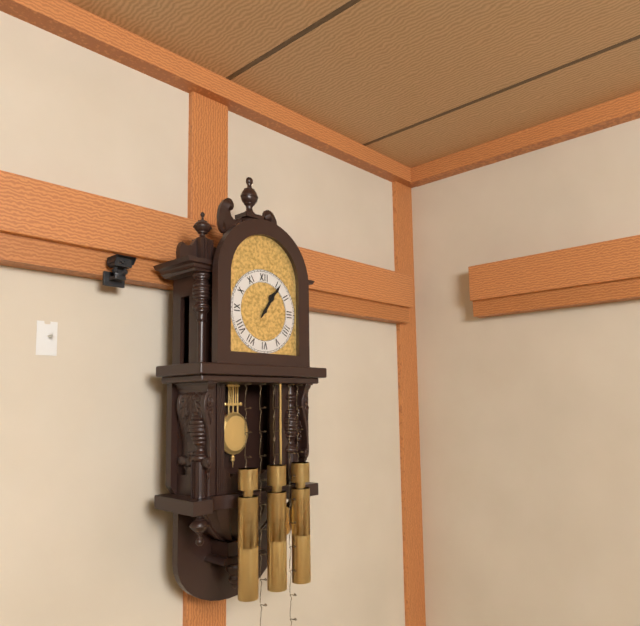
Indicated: **1:06**
